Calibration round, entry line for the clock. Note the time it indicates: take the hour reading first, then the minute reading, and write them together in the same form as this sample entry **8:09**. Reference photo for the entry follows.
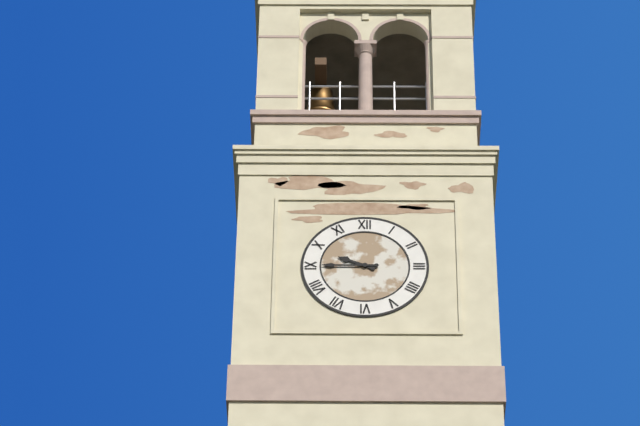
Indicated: **9:45**
